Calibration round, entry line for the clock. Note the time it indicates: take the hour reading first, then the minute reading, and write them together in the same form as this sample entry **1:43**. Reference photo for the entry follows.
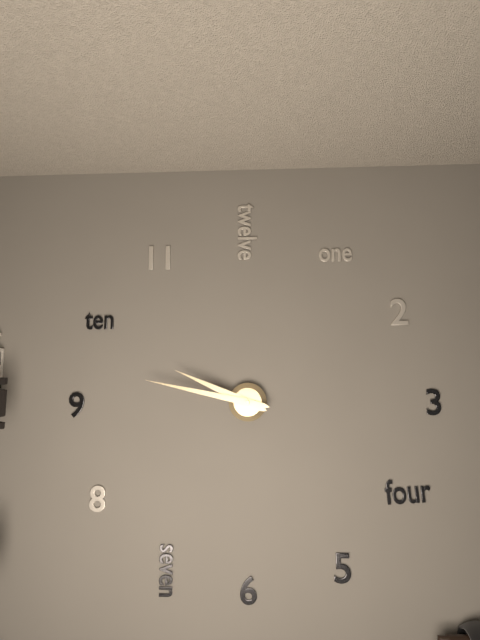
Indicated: **9:47**
